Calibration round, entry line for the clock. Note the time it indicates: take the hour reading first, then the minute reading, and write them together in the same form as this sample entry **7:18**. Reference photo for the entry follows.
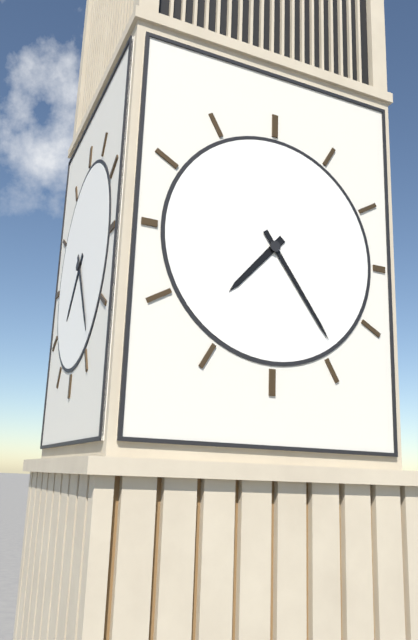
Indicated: **7:24**
